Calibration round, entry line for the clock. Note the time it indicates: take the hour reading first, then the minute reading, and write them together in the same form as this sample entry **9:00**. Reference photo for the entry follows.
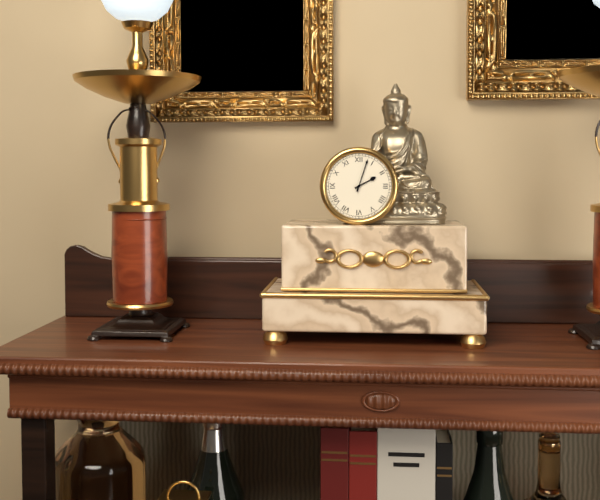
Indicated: **2:03**
